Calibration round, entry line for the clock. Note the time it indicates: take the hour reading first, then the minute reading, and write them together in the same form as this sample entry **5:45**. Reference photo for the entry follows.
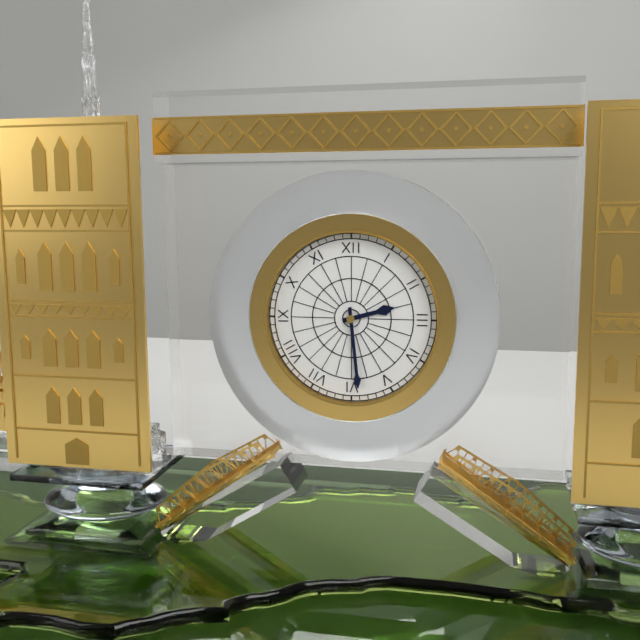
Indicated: **2:29**
